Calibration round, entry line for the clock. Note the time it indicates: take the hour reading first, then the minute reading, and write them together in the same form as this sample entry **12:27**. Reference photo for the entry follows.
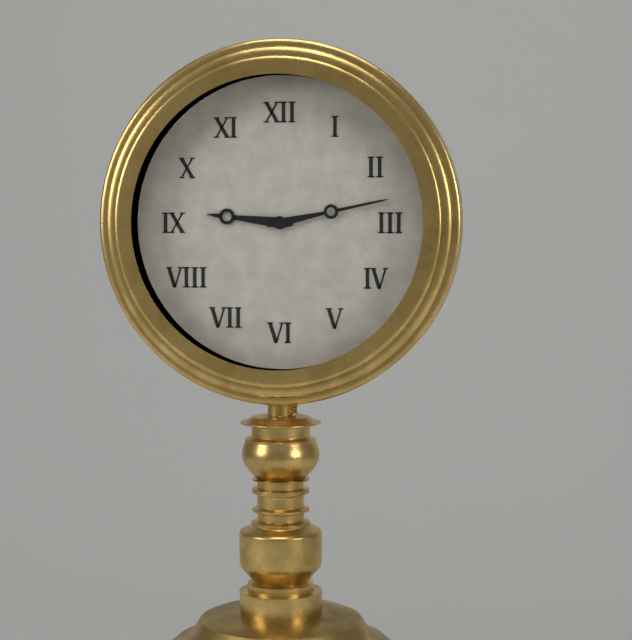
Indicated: **9:13**
